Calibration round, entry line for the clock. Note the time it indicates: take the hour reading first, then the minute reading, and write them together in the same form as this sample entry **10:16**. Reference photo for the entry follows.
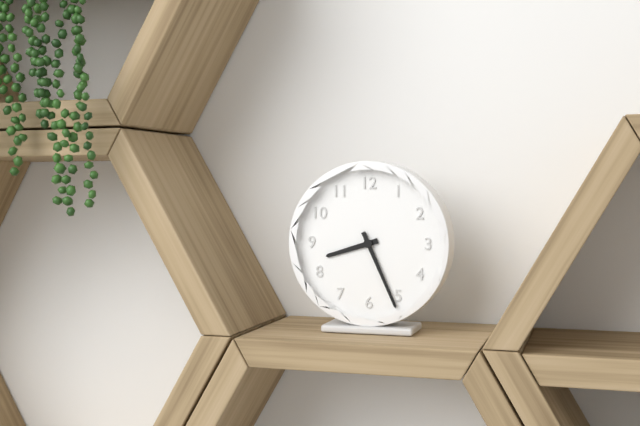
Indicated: **8:26**
